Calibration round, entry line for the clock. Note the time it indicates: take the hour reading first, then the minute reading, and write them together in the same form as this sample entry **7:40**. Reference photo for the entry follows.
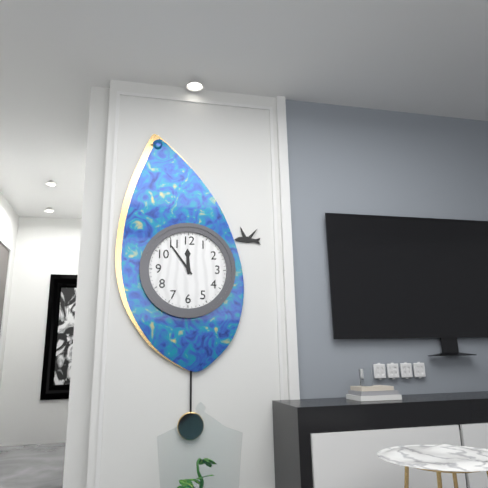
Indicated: **11:54**
